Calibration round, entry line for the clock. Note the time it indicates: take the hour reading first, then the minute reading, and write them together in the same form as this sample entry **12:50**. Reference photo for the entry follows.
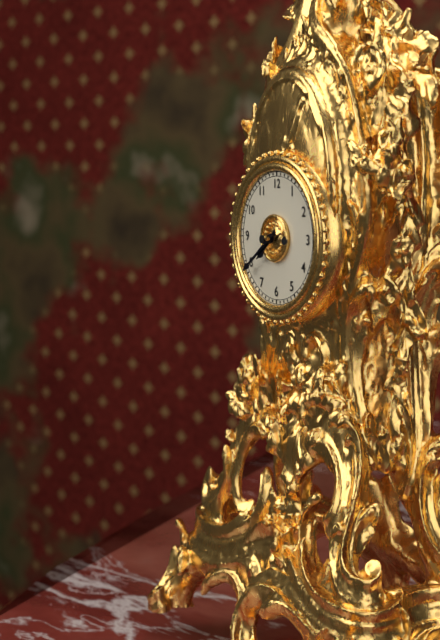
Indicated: **7:39**
